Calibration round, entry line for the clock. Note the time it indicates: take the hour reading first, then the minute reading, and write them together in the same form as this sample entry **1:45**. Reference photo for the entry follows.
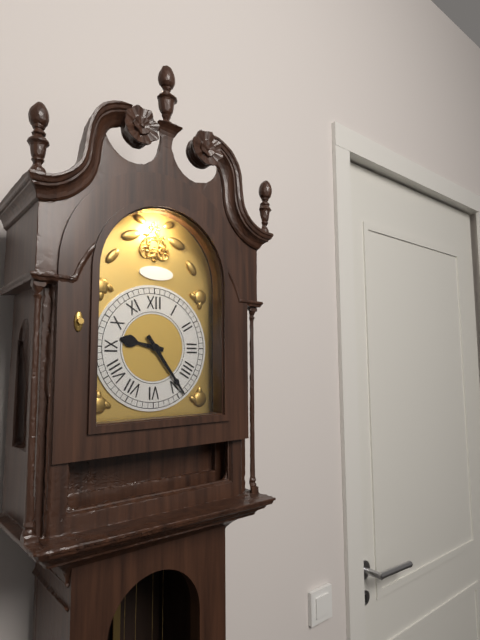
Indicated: **9:24**
